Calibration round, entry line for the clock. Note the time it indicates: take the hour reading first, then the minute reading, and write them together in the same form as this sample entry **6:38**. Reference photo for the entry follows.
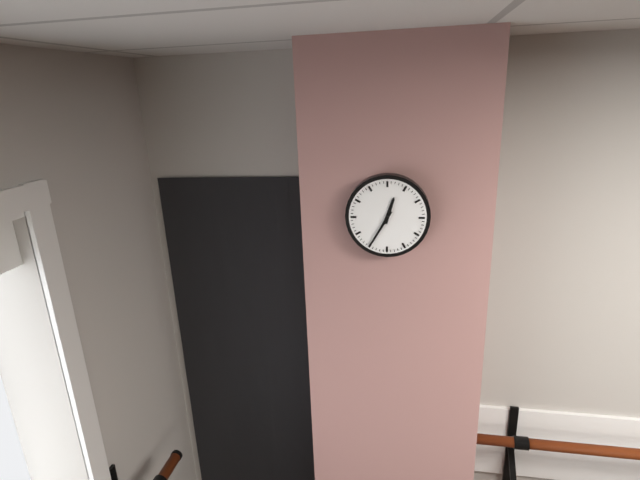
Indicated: **12:35**
